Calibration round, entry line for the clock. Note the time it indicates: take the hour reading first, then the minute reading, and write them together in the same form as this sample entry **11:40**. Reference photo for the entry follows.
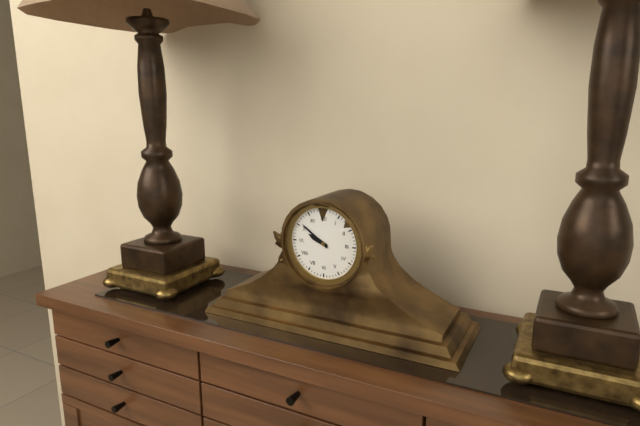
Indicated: **9:51**
